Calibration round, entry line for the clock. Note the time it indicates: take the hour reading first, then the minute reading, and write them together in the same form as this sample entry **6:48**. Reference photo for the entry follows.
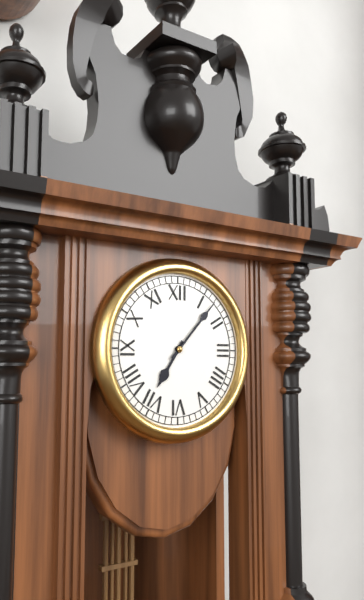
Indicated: **7:07**
